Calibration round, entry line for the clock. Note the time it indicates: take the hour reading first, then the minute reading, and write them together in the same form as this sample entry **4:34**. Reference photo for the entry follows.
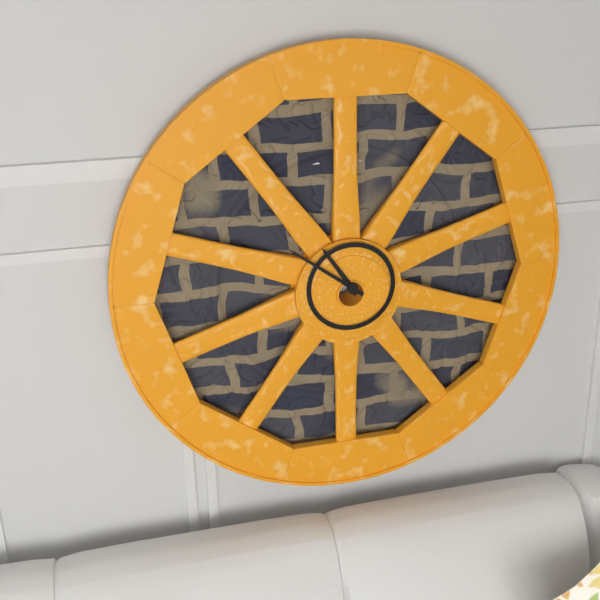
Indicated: **10:51**
